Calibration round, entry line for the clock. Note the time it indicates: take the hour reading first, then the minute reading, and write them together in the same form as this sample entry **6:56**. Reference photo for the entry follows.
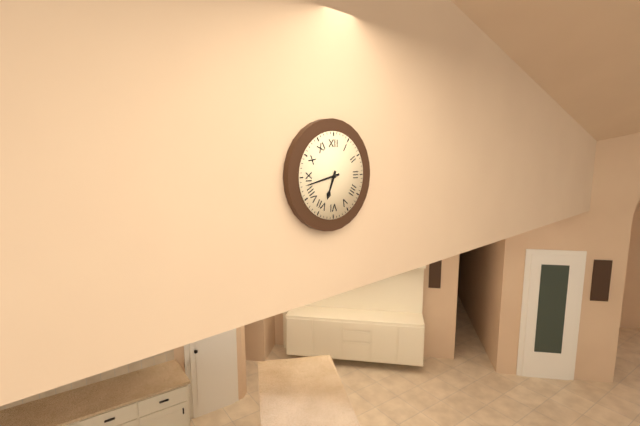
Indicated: **6:43**
